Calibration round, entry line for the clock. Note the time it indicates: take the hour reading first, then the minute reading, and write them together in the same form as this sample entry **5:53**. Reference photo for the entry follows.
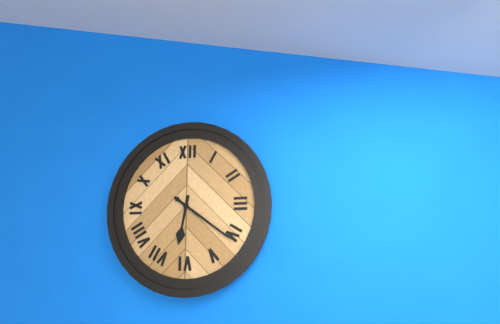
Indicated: **6:21**
